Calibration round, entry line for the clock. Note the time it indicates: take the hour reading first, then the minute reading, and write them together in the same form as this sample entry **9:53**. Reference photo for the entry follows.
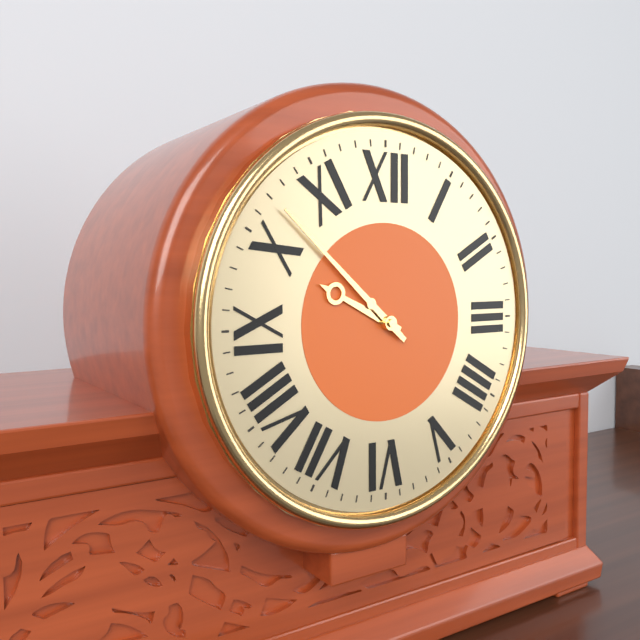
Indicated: **9:52**
